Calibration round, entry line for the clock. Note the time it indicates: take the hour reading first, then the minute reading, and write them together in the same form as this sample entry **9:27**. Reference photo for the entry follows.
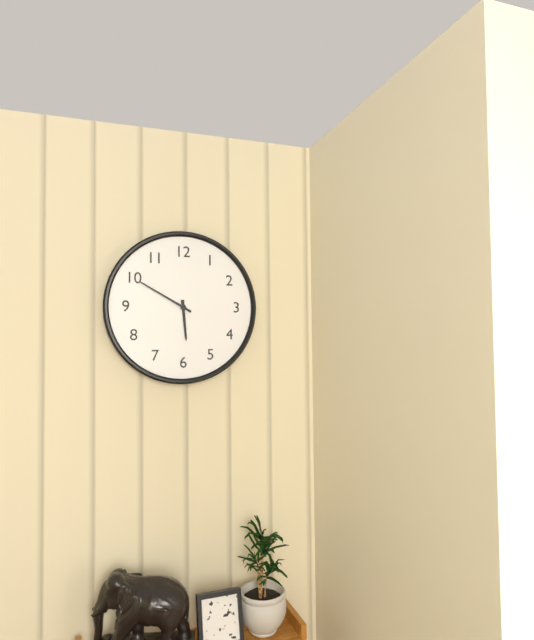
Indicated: **5:50**
